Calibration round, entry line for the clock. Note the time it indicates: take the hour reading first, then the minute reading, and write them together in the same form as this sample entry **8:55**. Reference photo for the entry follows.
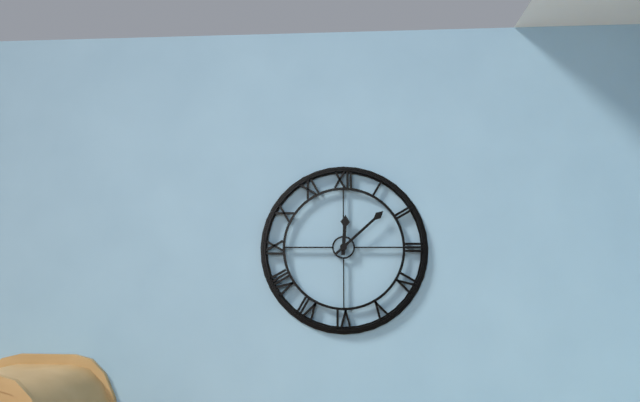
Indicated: **12:08**
